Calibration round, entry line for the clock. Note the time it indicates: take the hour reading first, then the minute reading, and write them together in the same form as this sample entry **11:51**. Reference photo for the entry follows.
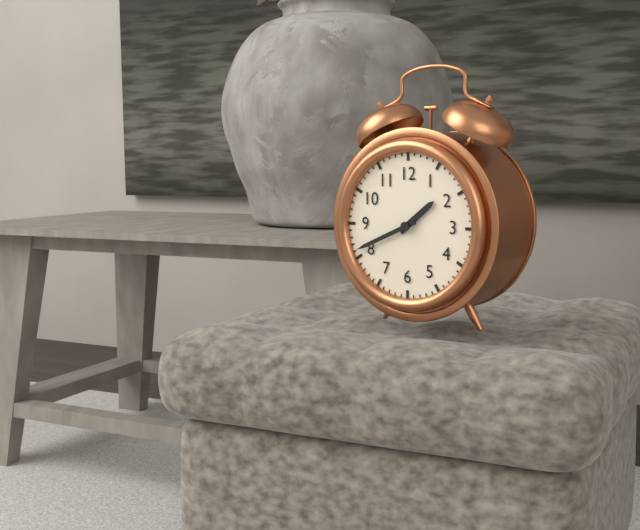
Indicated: **1:41**
